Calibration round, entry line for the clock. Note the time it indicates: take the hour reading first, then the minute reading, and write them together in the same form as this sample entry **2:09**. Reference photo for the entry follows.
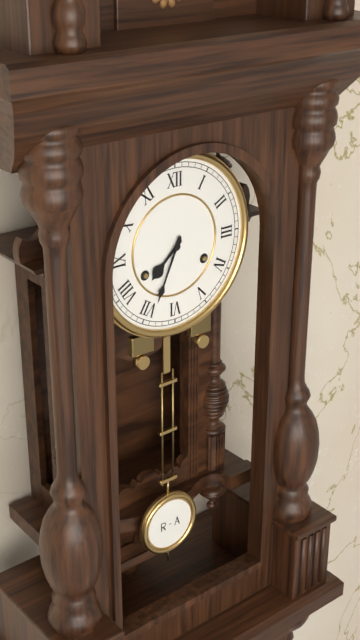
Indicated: **7:34**
